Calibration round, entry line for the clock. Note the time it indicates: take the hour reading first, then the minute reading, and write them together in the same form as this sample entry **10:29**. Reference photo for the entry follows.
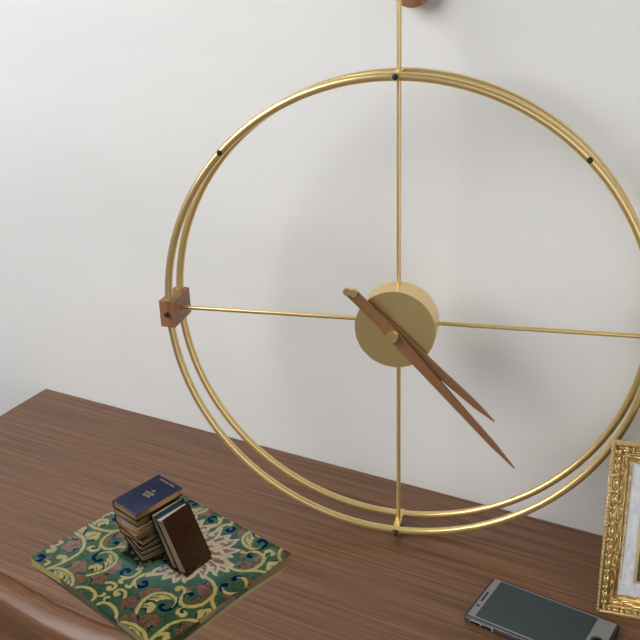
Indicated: **4:23**
